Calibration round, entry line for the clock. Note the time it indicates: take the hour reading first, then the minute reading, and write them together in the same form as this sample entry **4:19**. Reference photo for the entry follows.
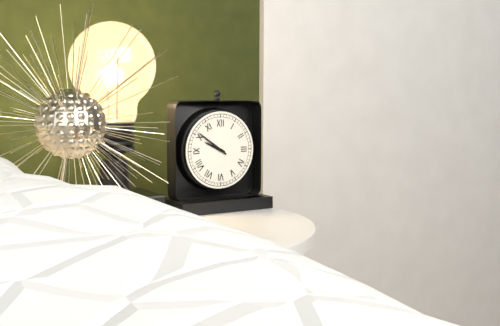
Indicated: **9:51**
